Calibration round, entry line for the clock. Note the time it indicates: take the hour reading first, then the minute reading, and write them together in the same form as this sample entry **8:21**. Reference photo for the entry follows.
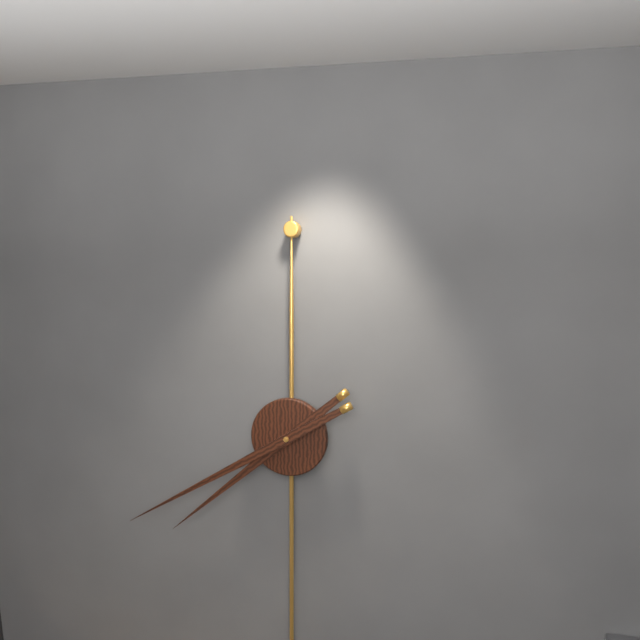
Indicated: **7:40**
